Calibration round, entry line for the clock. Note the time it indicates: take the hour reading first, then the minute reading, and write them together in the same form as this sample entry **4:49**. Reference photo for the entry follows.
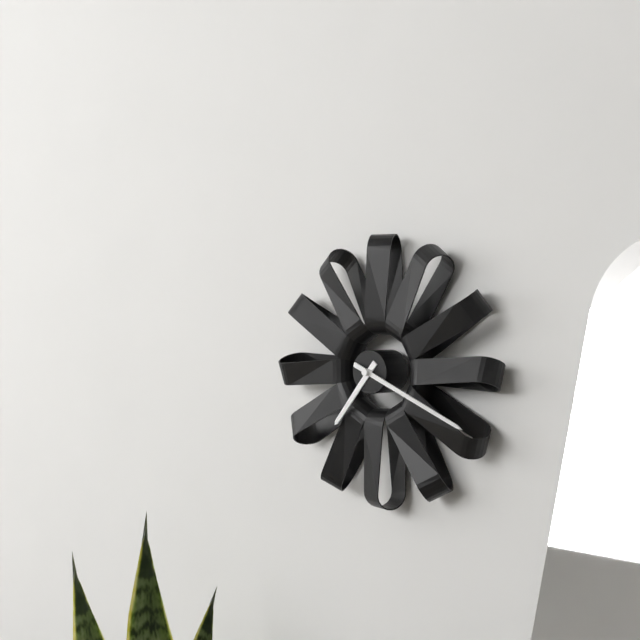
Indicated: **7:19**
